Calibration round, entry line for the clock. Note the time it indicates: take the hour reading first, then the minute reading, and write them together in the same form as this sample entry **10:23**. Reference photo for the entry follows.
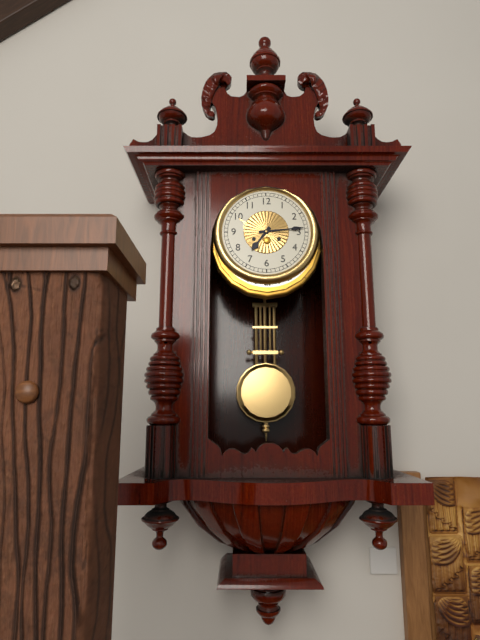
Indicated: **7:14**
